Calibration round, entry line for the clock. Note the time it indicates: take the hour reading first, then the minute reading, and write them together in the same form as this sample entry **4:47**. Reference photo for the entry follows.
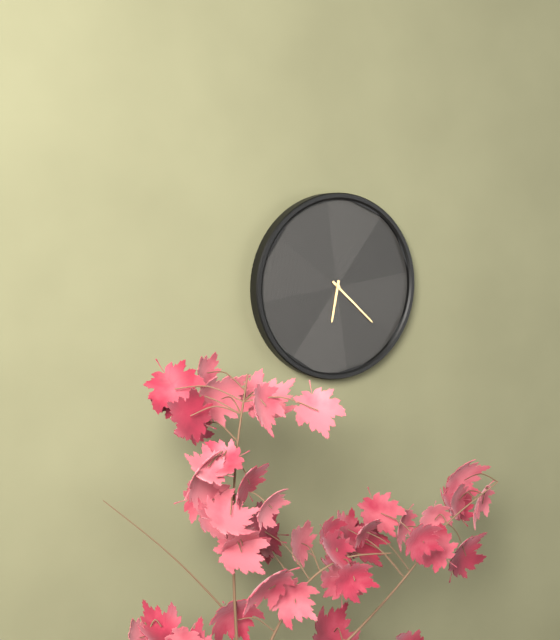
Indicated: **6:22**
